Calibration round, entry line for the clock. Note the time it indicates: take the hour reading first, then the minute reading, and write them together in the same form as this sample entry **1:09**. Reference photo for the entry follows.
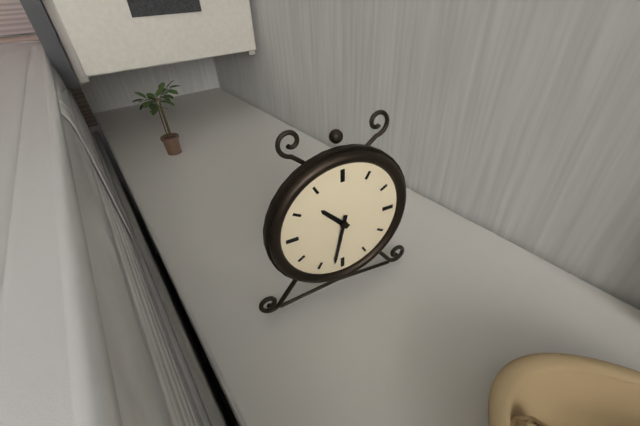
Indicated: **10:32**
